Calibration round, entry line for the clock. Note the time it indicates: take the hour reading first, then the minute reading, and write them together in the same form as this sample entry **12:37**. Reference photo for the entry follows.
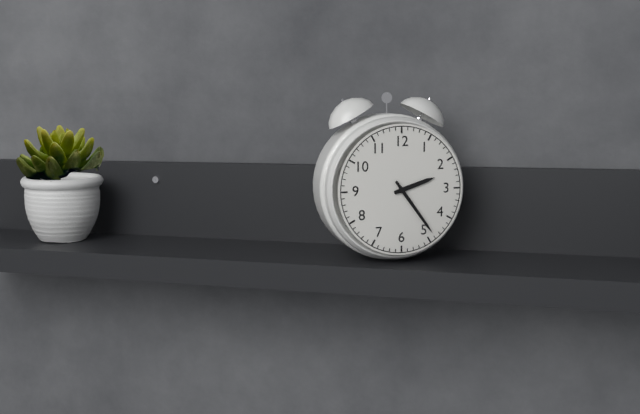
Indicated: **2:24**
